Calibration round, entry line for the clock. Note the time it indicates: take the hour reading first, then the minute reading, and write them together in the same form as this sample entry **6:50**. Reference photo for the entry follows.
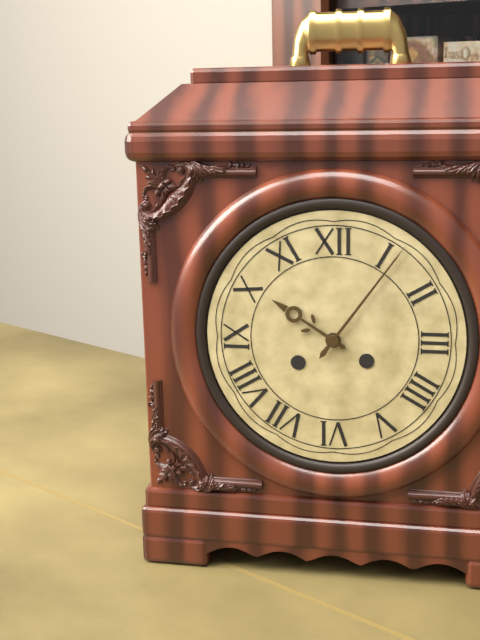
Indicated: **10:06**
